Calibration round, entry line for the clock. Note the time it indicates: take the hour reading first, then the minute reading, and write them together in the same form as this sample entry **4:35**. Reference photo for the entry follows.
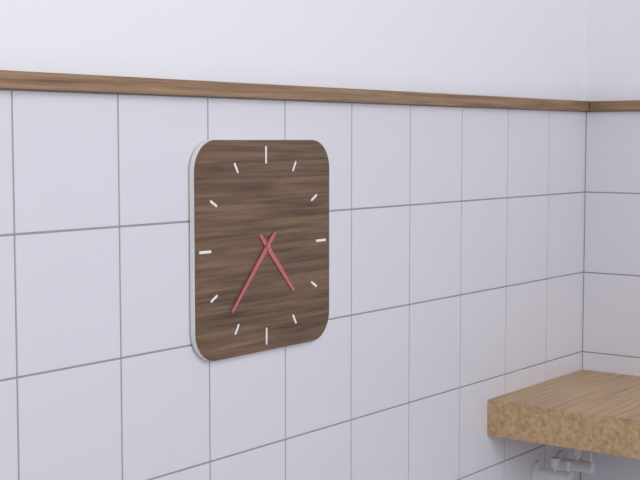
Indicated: **4:37**
